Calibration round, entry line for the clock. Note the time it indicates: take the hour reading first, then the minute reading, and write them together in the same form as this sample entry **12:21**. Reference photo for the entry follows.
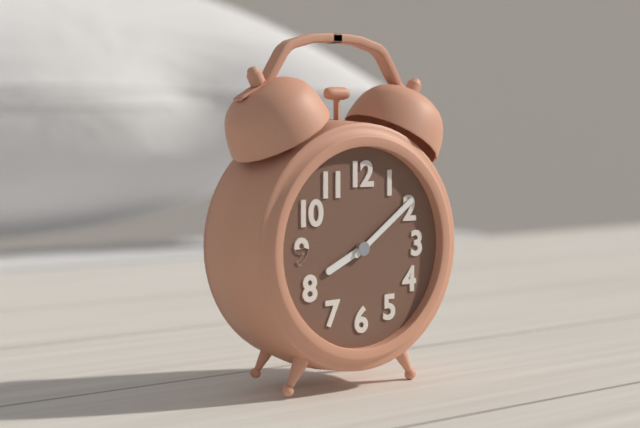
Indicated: **8:09**
